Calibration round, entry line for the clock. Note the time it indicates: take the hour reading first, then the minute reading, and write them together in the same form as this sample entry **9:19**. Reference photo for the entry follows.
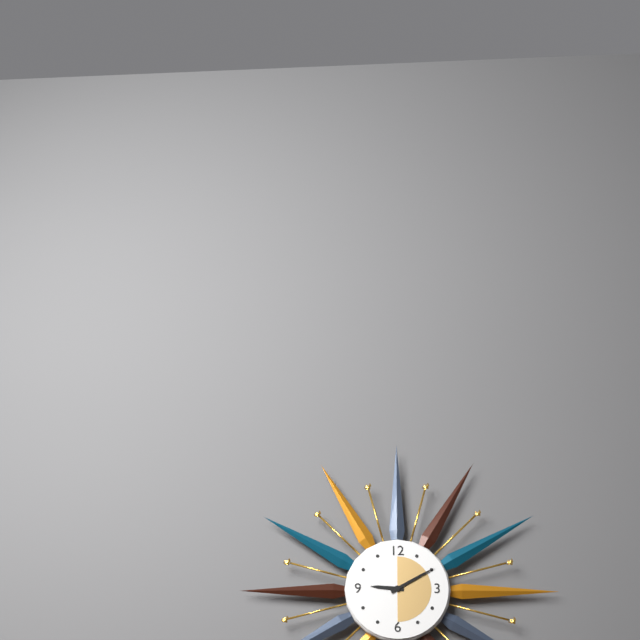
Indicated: **9:10**
